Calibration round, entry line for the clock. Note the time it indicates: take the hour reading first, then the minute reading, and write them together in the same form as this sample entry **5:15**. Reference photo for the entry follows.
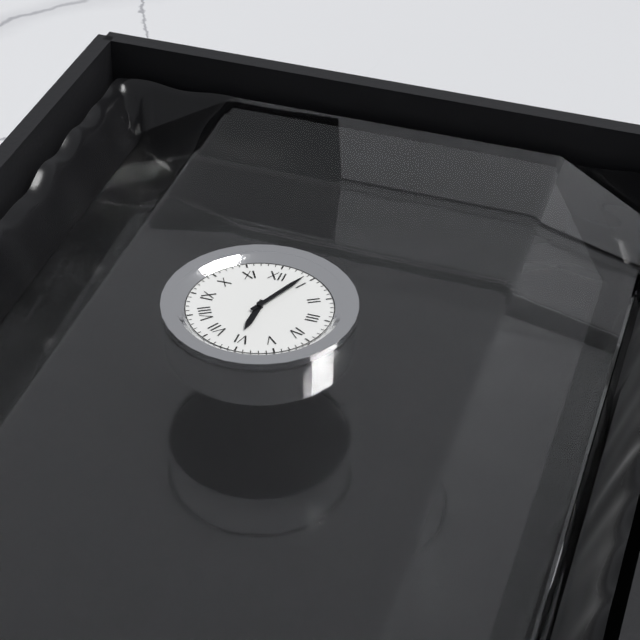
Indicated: **6:04**
